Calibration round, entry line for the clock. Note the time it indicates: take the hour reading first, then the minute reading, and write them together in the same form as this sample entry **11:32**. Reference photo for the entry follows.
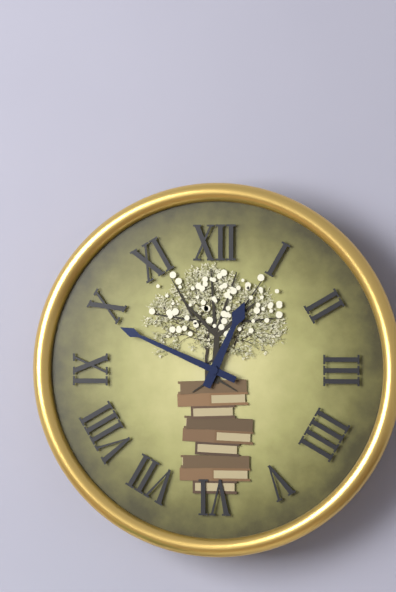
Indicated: **12:49**
